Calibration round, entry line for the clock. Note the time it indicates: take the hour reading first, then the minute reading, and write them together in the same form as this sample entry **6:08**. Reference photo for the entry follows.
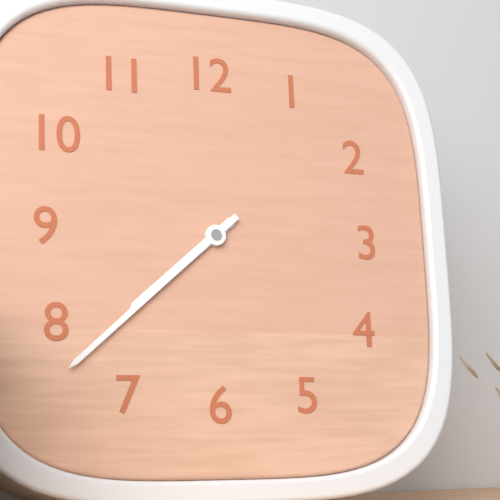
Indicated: **7:38**
